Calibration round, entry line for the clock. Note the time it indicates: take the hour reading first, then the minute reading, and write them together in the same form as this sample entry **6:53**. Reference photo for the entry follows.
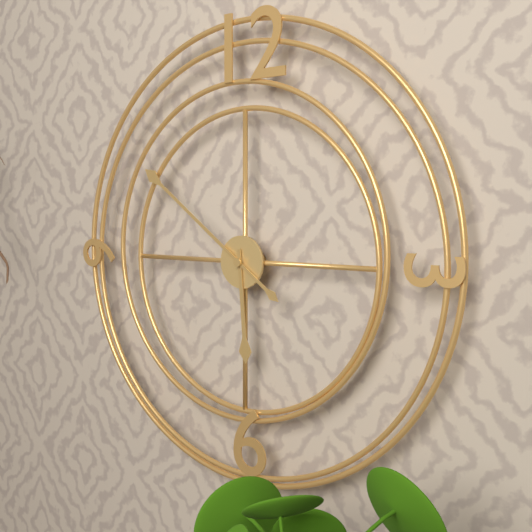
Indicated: **5:51**
